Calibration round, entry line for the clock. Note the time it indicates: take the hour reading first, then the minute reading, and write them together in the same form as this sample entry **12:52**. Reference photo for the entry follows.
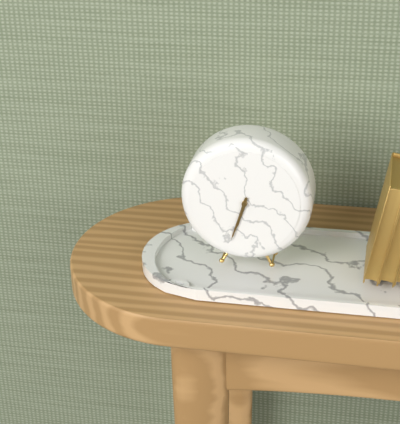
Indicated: **6:33**
